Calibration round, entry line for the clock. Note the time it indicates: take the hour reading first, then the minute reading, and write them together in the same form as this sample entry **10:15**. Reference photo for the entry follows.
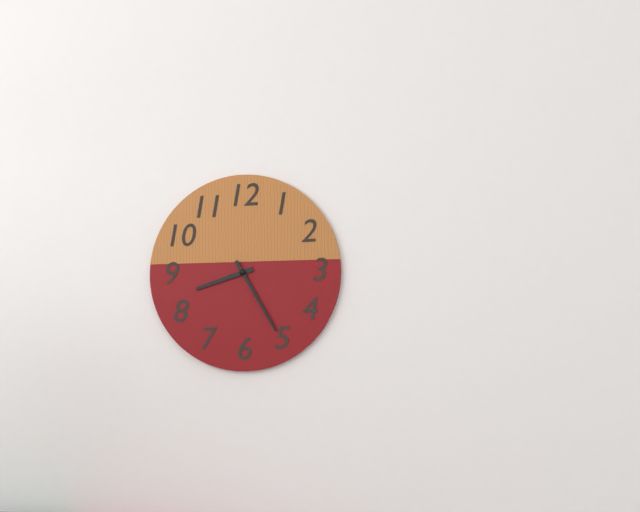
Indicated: **8:25**
